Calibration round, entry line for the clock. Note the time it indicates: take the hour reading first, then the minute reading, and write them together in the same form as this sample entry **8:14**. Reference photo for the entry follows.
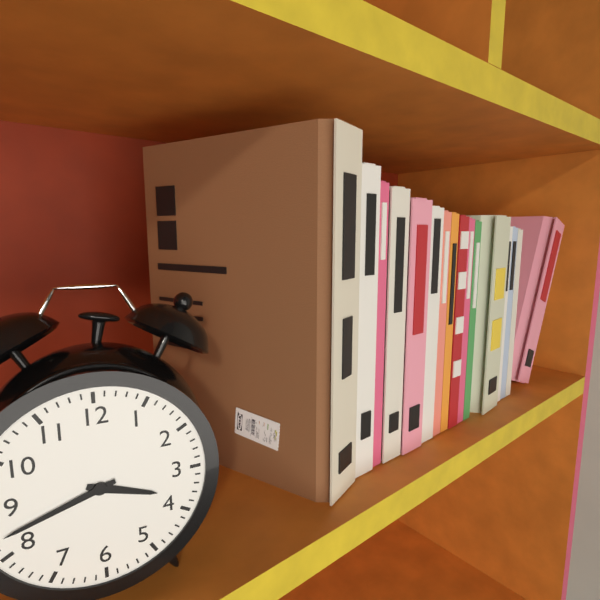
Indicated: **3:42**
